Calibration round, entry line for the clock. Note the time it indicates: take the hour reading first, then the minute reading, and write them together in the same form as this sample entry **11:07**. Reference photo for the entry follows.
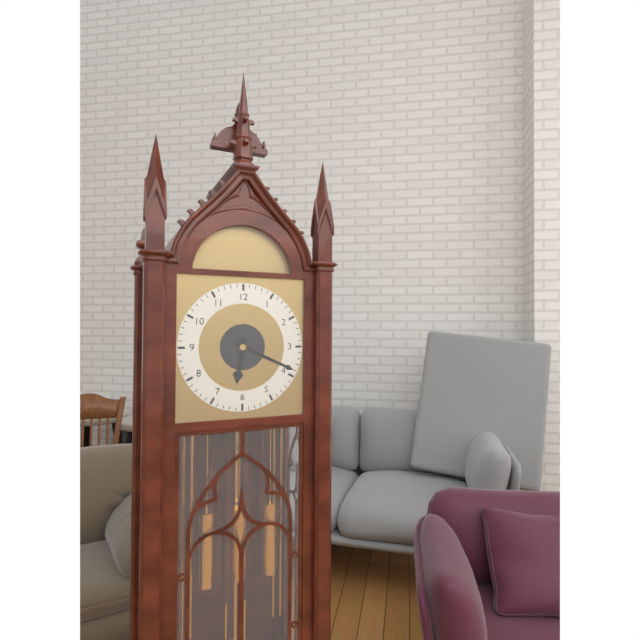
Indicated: **6:19**
